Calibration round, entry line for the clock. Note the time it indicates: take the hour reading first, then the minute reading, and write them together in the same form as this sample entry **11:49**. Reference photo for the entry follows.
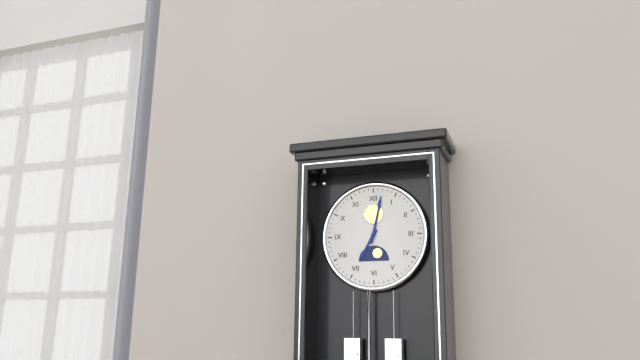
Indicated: **7:02**
